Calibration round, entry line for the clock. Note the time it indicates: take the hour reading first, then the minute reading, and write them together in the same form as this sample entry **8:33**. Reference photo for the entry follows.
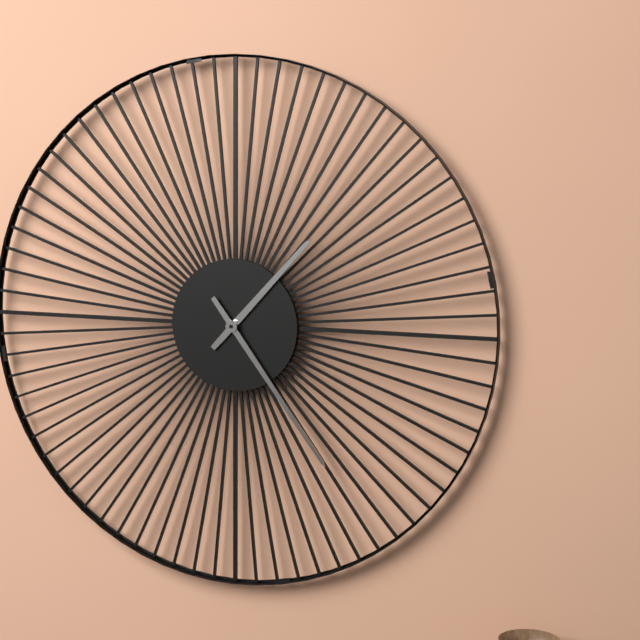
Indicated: **1:24**
